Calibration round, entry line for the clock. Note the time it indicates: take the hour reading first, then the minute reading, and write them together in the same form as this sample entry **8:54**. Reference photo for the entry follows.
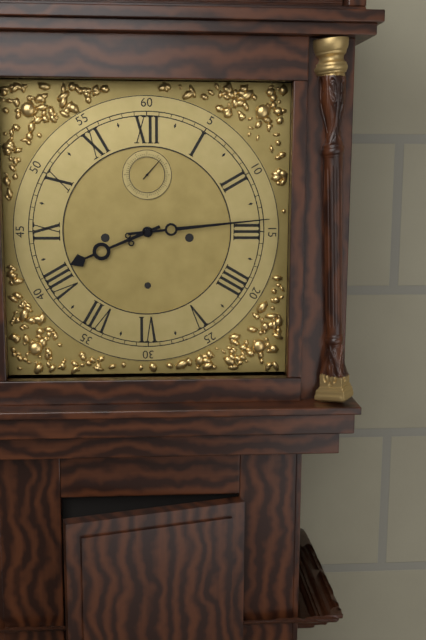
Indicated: **8:14**
